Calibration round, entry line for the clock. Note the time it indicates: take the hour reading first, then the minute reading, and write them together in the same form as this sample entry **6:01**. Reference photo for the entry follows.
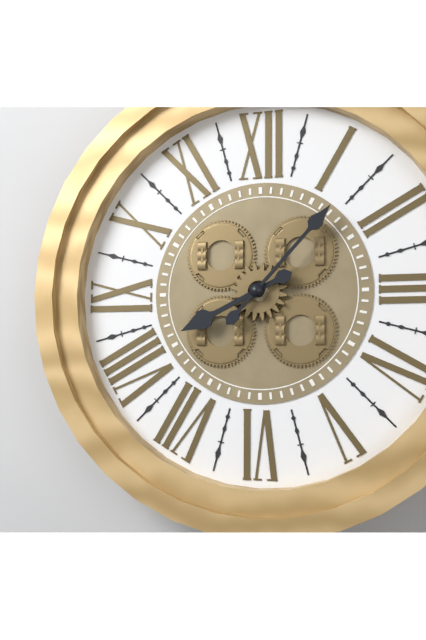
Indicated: **8:07**
